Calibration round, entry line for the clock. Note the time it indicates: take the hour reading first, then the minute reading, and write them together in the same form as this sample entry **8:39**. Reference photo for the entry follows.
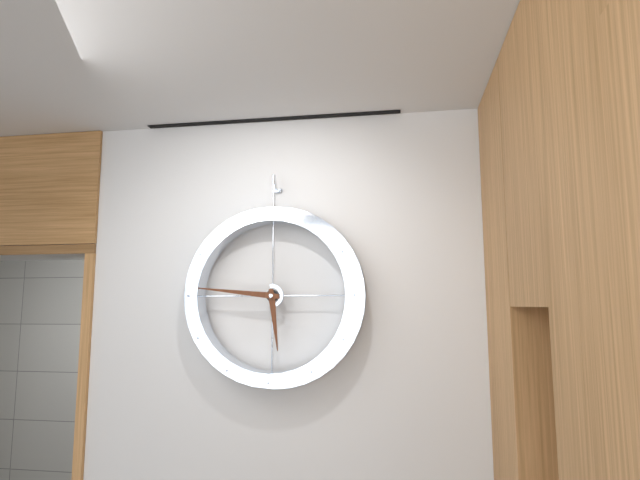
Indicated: **5:46**
